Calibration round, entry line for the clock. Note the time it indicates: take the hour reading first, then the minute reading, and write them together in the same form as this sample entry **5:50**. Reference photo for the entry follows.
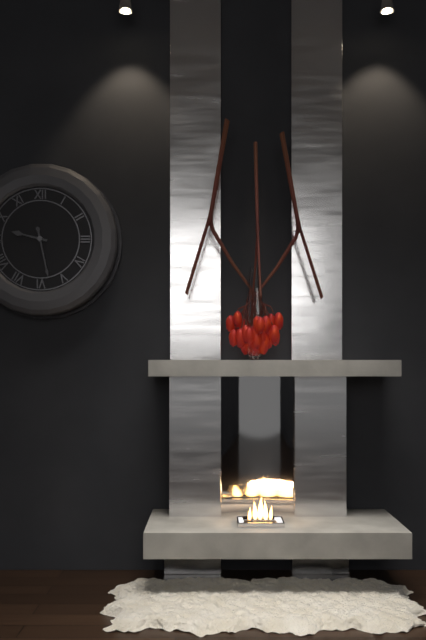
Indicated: **9:28**
